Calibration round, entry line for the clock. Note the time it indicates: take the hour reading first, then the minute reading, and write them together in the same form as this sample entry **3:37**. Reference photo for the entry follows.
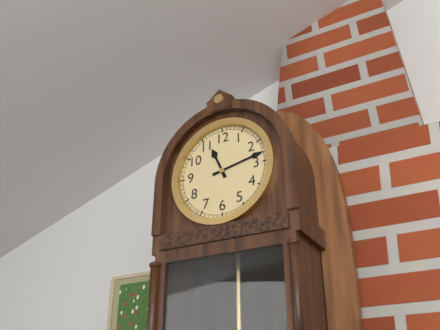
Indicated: **11:13**
